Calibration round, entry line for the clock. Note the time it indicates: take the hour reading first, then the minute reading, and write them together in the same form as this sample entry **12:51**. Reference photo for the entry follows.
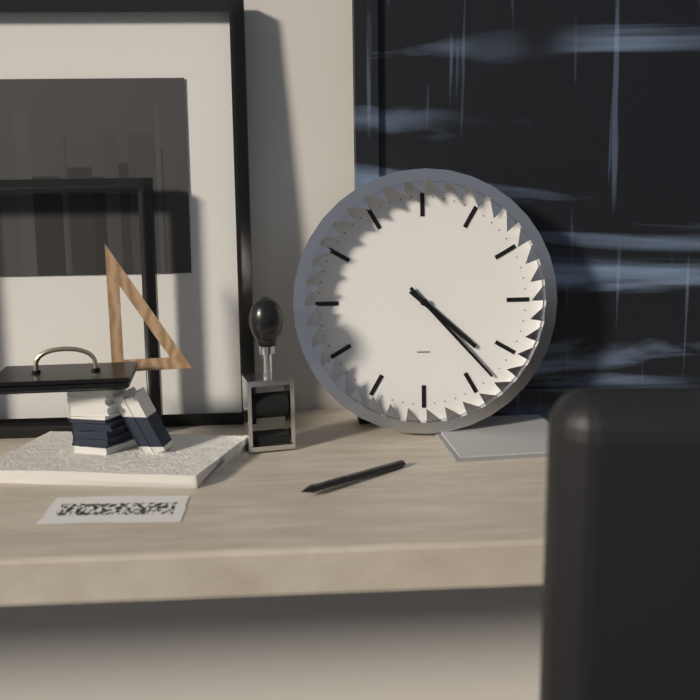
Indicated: **4:23**
